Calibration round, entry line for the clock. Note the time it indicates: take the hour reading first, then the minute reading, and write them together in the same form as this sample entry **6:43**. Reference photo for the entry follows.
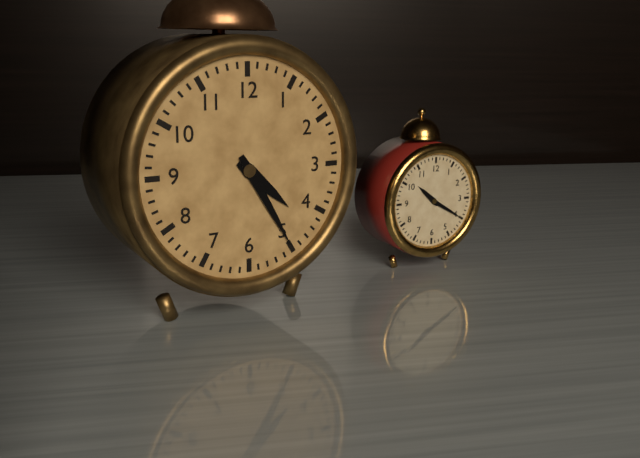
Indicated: **4:25**
